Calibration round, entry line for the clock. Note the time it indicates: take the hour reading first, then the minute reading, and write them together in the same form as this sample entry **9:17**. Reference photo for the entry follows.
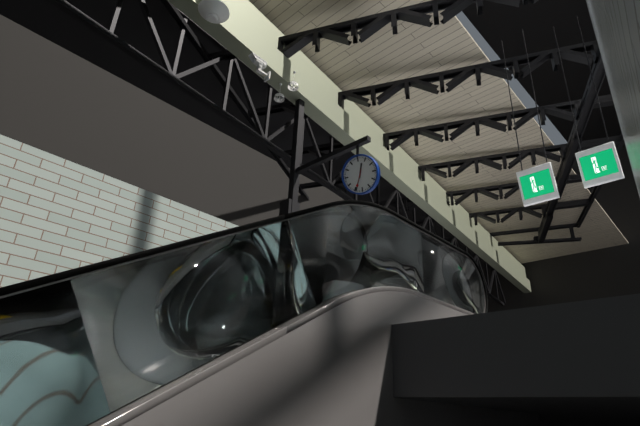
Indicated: **12:34**
